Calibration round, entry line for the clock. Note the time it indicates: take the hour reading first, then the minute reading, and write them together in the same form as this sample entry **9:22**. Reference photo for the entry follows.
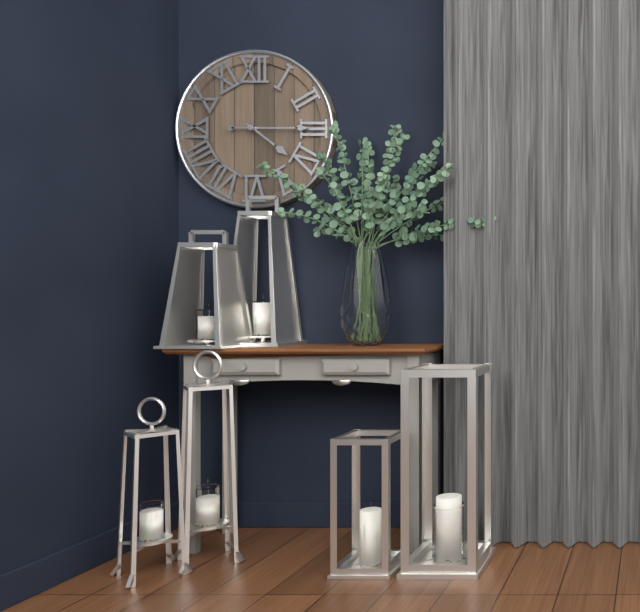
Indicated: **4:15**
